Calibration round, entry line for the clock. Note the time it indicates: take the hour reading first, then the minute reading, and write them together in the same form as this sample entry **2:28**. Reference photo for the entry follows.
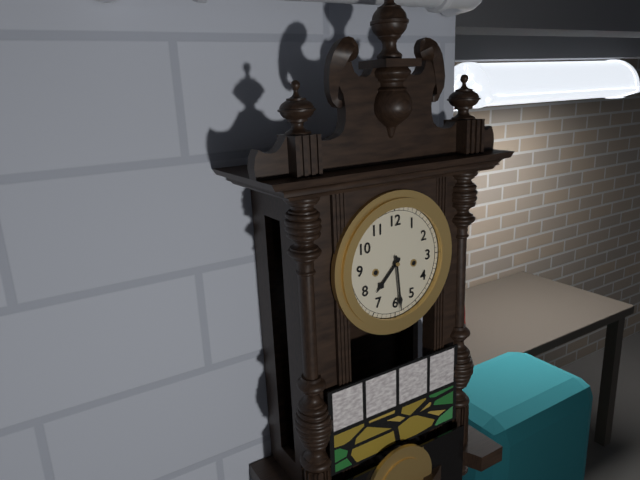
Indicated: **7:29**
